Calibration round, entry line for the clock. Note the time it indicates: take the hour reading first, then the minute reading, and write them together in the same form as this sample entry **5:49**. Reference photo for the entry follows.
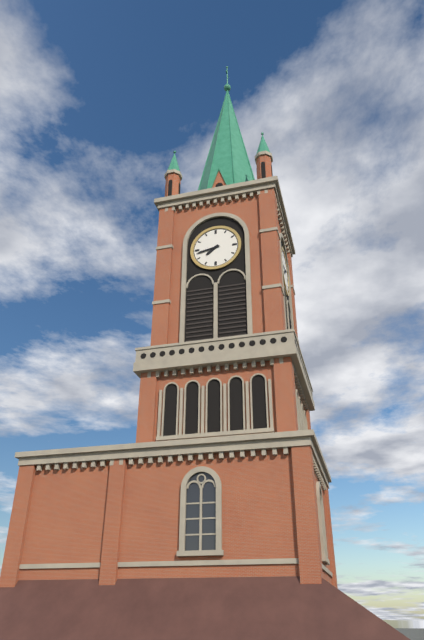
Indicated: **7:43**
